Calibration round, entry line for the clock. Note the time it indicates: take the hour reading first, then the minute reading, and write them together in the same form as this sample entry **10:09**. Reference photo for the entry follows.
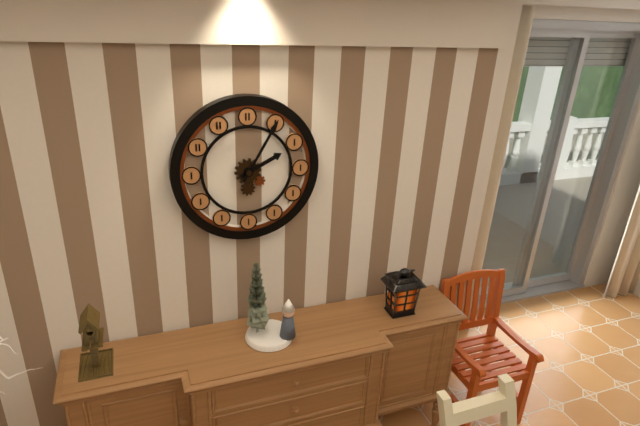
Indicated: **2:05**
